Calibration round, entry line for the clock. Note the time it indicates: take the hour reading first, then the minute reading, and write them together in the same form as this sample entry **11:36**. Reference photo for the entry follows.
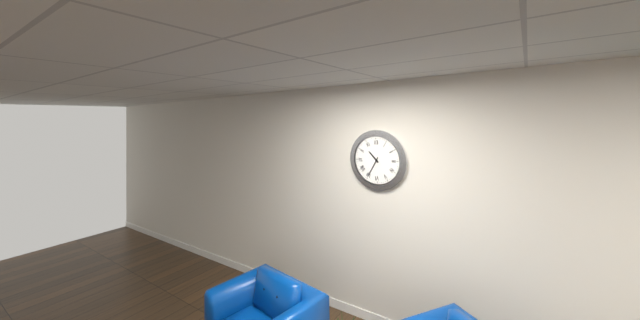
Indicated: **10:35**
